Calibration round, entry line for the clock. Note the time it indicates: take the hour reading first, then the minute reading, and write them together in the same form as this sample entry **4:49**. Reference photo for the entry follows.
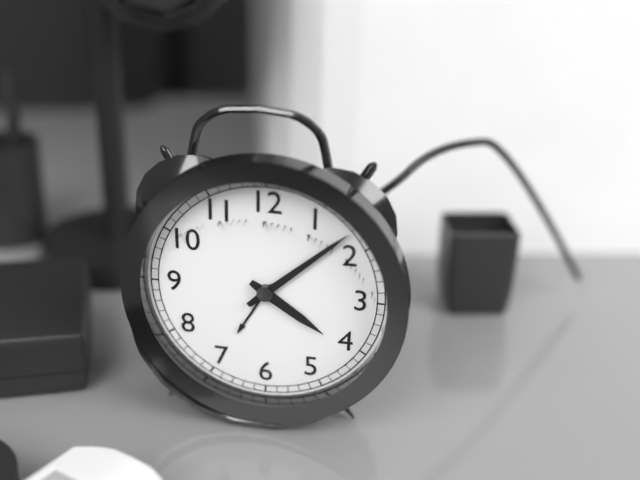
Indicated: **4:08**
